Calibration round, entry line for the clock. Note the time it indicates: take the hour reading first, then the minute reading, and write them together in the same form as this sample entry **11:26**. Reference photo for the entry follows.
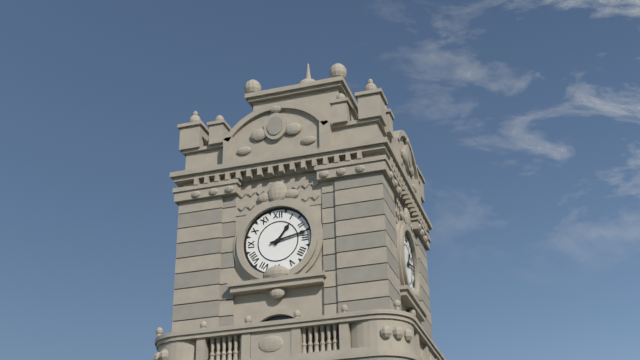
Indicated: **1:13**
